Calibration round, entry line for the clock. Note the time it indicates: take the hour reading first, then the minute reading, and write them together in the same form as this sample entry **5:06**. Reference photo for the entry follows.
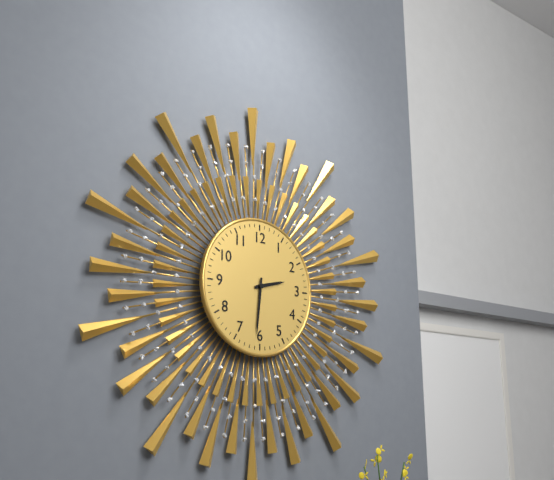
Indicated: **2:31**
